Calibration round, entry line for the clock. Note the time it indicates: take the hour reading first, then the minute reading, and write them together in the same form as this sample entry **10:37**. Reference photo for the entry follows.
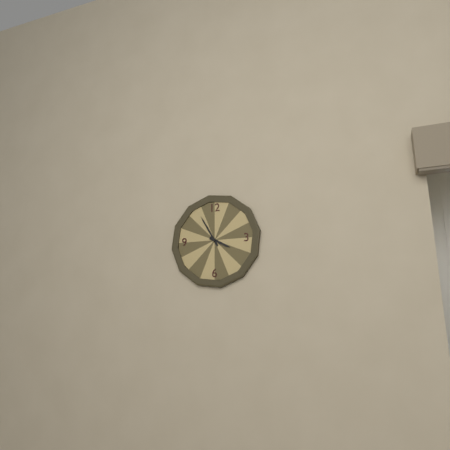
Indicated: **3:55**
